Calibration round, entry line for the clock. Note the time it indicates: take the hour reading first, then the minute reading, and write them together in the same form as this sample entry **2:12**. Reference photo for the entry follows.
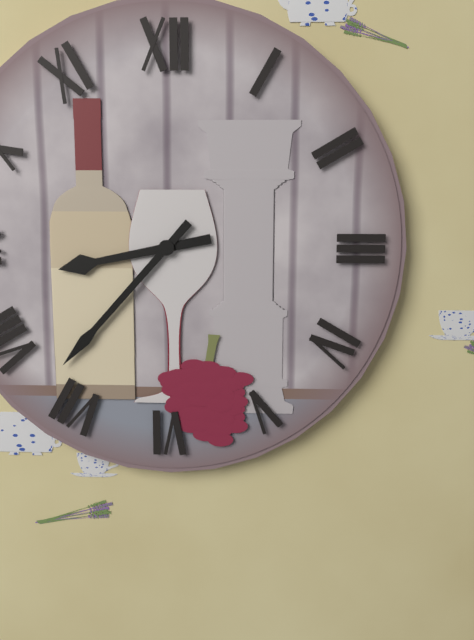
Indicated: **8:37**
